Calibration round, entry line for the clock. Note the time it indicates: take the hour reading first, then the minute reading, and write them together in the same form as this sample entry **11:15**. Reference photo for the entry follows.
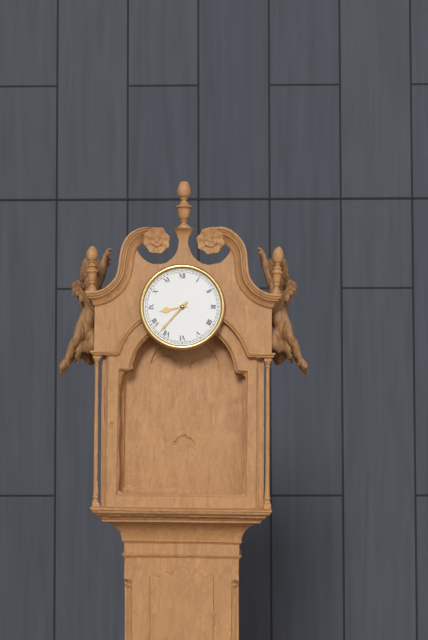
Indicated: **8:37**
